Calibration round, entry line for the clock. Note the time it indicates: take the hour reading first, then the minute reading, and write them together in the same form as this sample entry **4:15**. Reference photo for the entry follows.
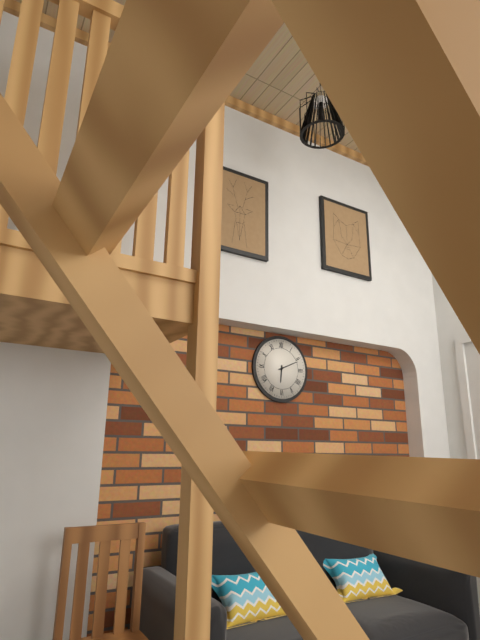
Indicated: **6:11**
